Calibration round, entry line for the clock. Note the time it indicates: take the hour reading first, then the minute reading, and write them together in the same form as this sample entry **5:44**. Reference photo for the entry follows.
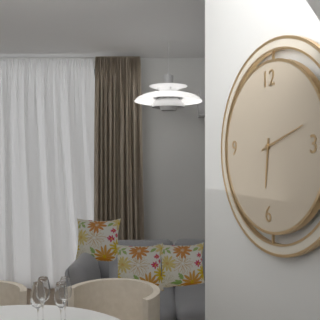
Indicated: **6:12**
